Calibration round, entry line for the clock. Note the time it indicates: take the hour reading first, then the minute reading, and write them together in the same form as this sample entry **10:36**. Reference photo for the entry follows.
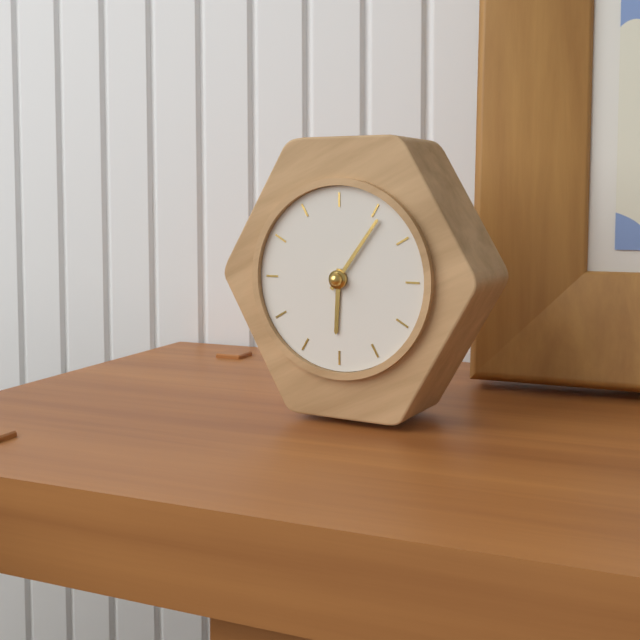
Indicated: **6:06**
